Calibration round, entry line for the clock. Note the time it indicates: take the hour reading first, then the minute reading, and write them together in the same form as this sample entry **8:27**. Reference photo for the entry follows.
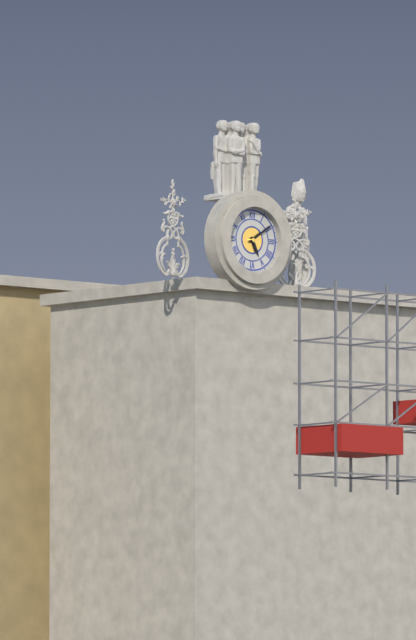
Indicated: **5:09**
